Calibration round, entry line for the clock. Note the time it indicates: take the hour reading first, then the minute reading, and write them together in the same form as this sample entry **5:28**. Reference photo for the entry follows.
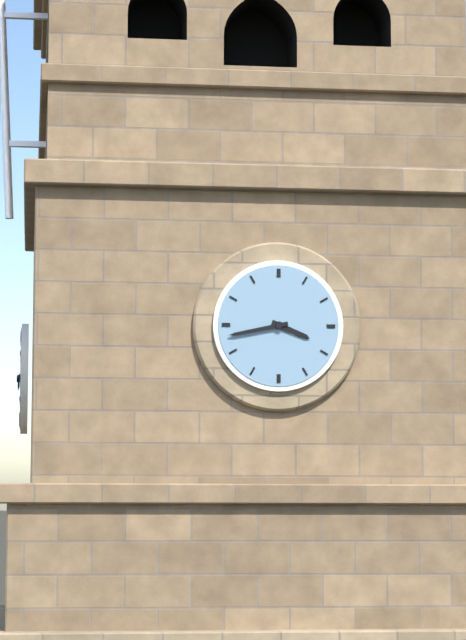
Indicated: **3:43**
